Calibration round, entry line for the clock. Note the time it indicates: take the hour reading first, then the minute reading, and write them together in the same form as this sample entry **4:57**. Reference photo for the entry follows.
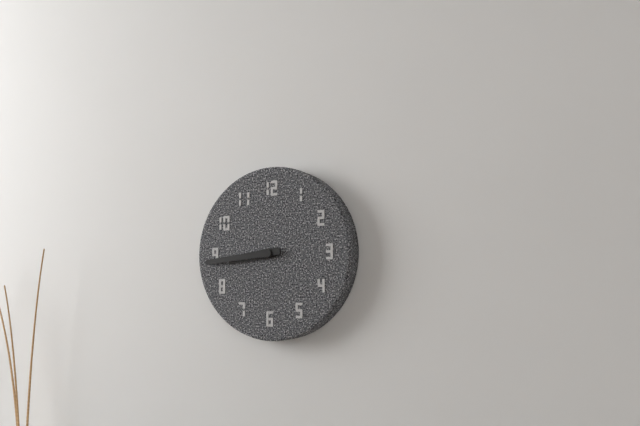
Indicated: **8:44**
